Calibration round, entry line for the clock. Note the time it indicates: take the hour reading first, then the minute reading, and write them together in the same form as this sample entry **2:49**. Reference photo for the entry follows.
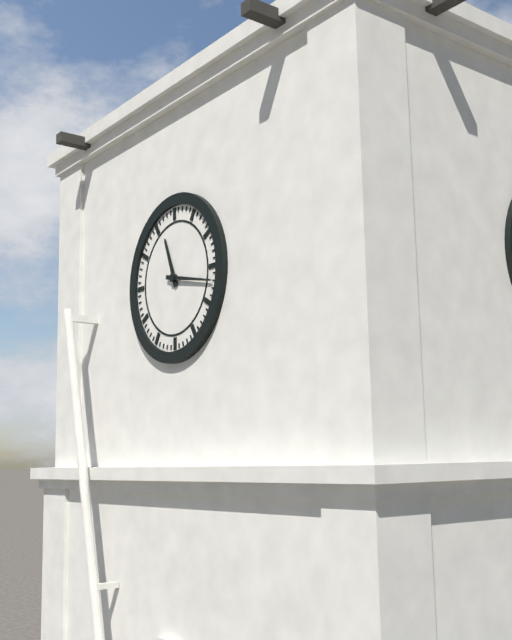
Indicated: **11:17**
